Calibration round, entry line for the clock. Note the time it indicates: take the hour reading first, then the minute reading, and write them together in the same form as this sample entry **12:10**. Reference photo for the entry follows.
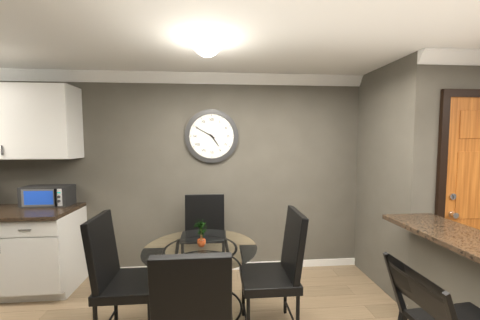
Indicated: **4:50**
